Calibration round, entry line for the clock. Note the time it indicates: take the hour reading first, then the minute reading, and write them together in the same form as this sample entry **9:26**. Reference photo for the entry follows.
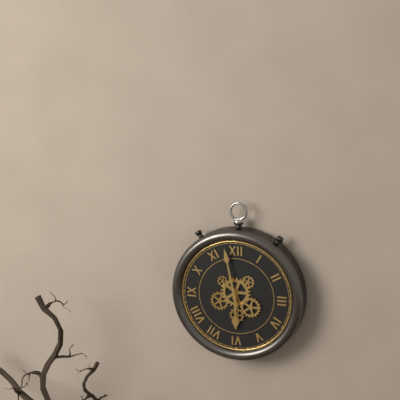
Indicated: **5:58**
